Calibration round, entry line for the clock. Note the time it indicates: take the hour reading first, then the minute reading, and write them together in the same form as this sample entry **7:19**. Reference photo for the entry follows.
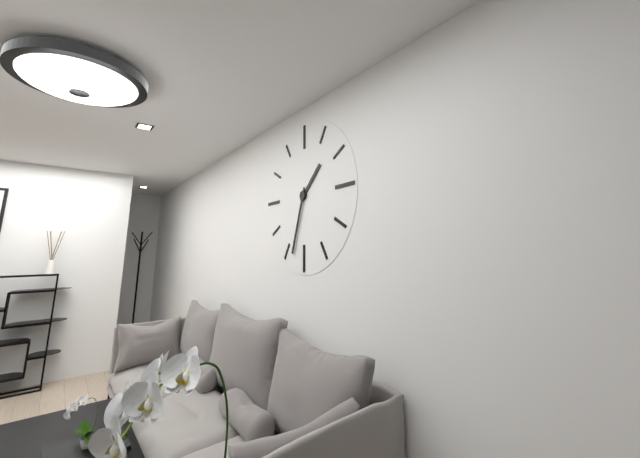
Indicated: **1:33**
